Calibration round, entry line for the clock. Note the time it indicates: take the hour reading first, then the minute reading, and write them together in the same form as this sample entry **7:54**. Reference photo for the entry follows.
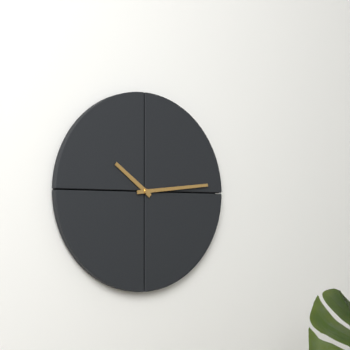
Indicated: **10:14**
